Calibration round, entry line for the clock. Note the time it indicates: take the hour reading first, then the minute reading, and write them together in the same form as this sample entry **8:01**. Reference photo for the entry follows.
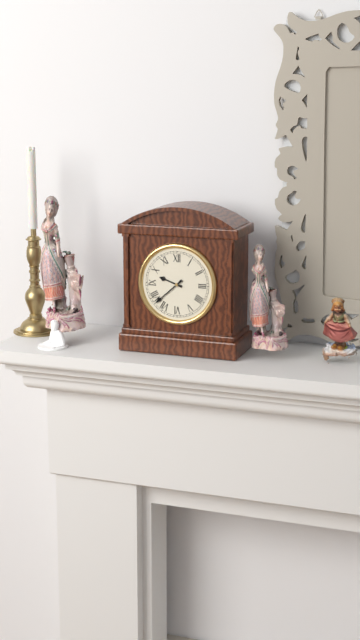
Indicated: **9:38**
